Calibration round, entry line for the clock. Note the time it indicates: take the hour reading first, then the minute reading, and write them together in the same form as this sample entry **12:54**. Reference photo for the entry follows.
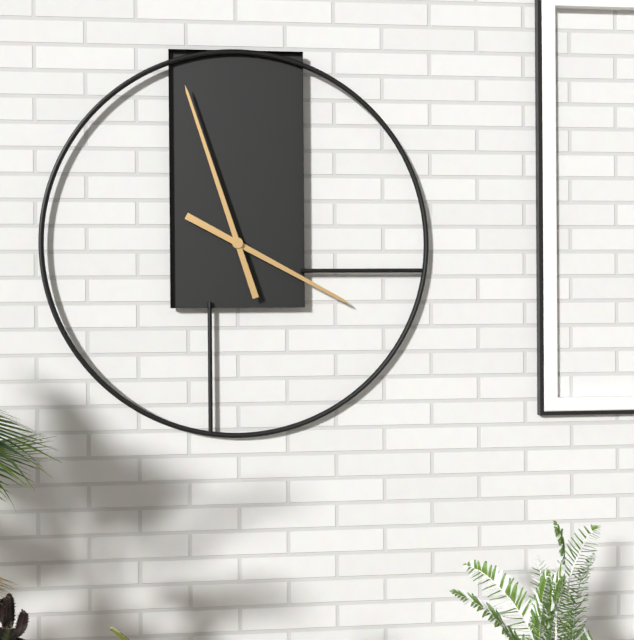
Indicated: **3:57**
